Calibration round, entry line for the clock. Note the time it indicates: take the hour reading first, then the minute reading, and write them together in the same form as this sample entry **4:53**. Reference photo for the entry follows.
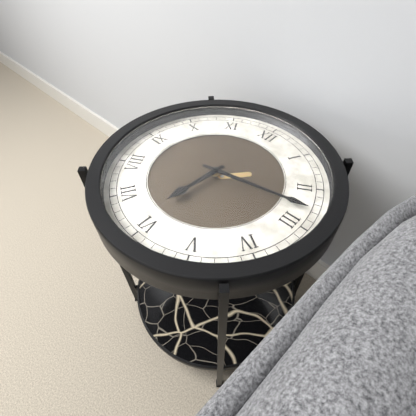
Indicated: **6:13**
